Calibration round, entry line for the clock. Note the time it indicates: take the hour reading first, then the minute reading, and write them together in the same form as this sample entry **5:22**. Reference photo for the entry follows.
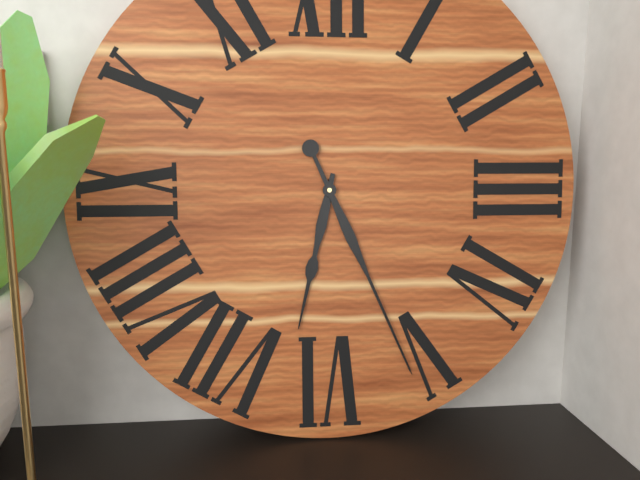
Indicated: **6:26**
